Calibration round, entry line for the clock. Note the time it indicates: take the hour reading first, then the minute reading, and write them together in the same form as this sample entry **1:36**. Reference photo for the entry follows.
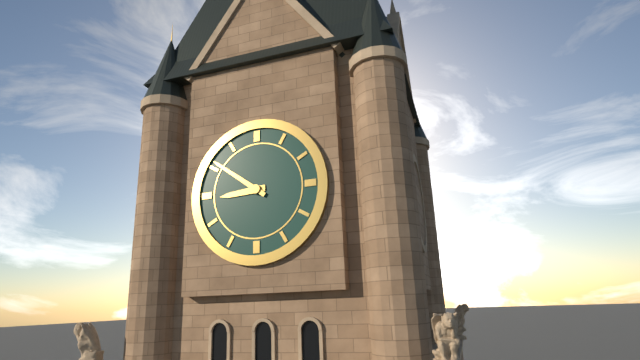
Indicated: **8:51**
